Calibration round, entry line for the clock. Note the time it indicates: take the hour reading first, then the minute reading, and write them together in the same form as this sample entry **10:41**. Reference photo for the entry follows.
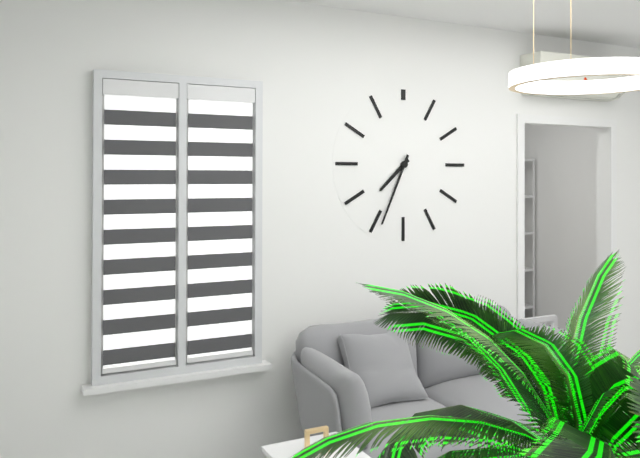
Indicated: **7:34**
